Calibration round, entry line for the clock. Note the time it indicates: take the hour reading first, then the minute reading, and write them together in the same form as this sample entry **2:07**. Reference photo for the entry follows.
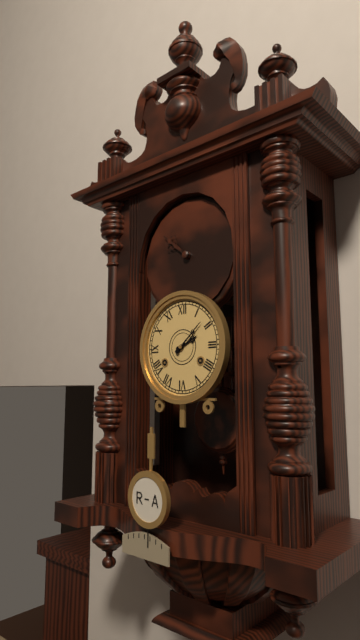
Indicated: **2:08**
